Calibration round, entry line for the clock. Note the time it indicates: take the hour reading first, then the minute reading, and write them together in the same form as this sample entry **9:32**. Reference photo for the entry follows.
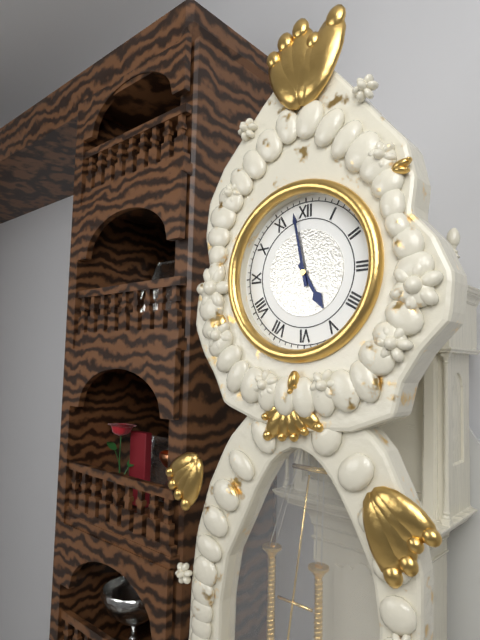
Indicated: **4:58**
